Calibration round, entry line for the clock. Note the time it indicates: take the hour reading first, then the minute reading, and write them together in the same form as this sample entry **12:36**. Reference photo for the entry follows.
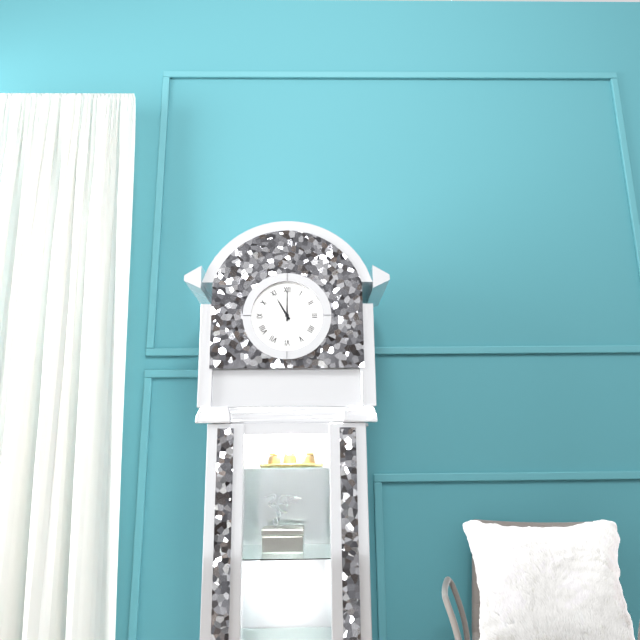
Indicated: **11:00**
